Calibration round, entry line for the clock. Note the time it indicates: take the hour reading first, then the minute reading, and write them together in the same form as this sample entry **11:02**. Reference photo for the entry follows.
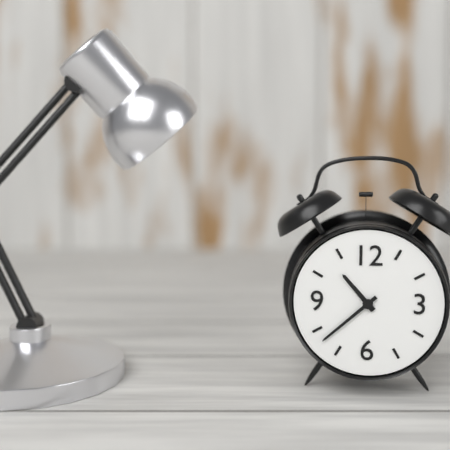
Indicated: **10:38**
